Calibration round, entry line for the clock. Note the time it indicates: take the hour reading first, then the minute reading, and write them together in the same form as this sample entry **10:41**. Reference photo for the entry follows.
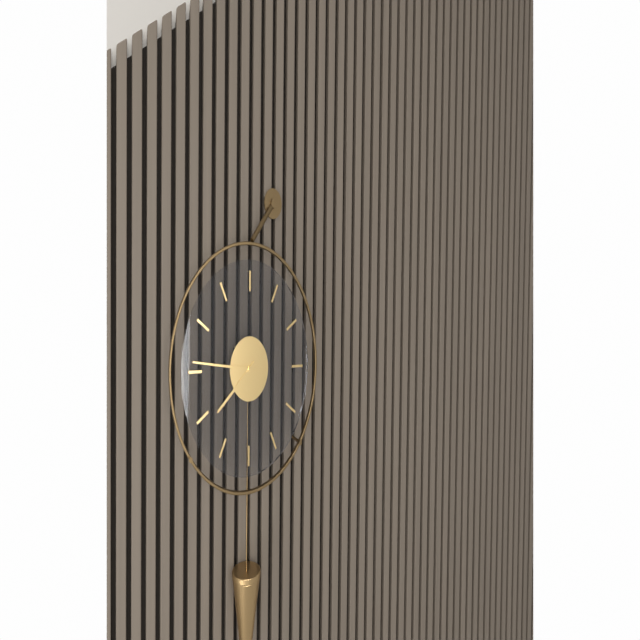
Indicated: **7:46**
